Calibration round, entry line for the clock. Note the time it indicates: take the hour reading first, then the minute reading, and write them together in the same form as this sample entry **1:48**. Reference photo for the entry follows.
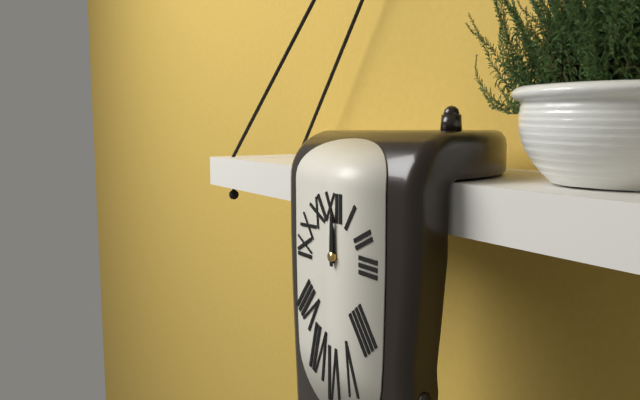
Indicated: **12:00**
